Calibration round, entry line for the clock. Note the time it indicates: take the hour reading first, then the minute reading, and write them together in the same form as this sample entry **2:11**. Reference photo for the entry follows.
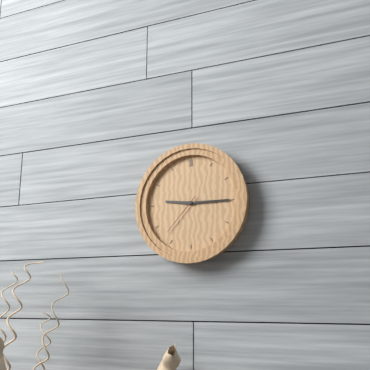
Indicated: **9:15**
